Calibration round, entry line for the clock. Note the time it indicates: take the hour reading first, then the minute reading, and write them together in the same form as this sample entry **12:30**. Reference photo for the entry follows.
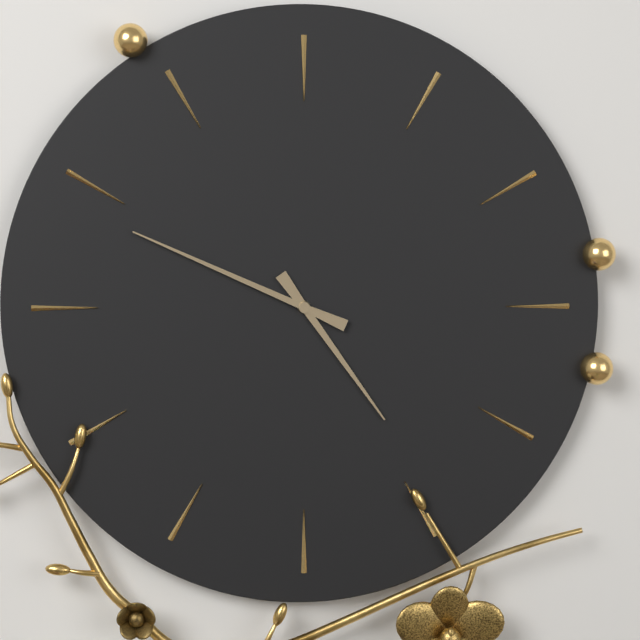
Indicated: **4:49**
